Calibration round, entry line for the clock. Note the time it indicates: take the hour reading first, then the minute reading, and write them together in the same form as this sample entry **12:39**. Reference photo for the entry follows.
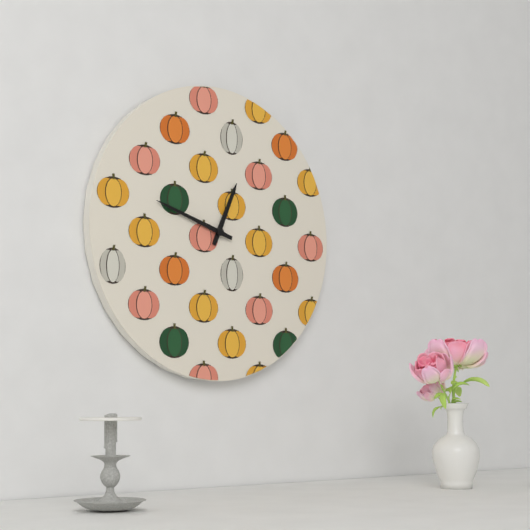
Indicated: **12:48**
